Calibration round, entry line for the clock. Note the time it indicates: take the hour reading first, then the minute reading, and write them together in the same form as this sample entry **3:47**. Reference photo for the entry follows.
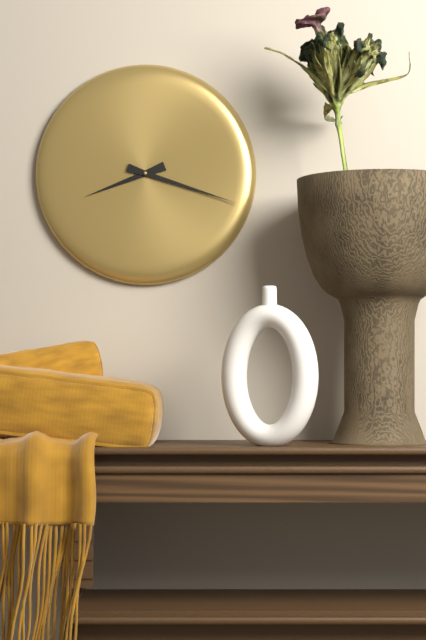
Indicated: **8:18**
